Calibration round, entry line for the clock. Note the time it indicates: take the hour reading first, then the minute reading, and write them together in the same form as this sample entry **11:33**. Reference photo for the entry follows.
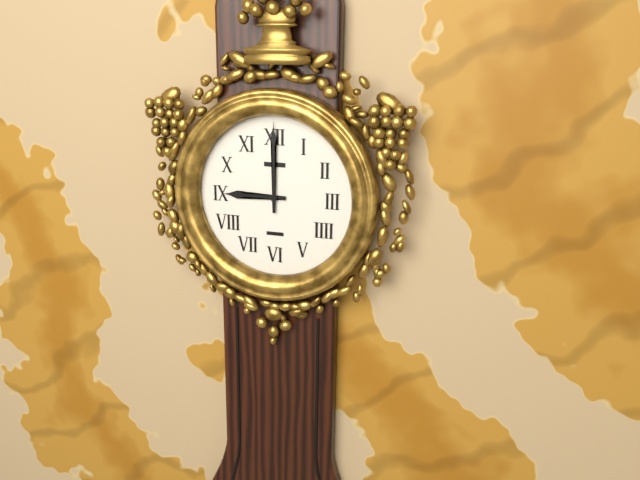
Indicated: **9:00**
